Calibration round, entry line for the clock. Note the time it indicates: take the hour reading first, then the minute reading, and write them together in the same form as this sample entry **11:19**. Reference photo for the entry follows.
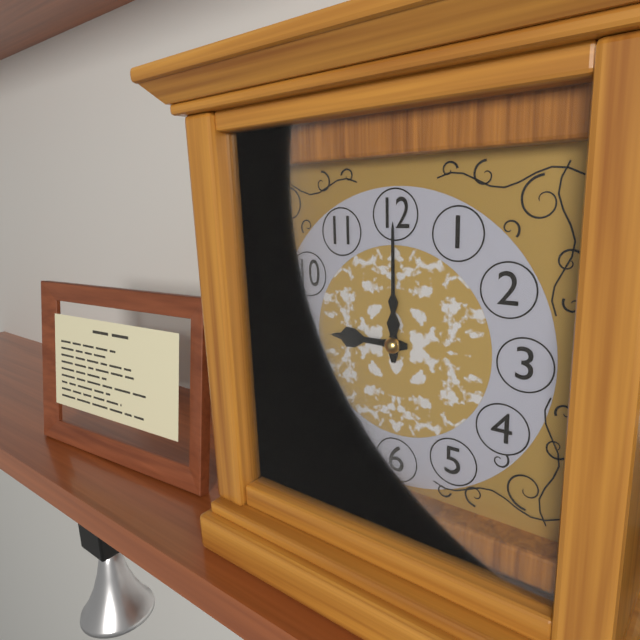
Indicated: **9:00**
